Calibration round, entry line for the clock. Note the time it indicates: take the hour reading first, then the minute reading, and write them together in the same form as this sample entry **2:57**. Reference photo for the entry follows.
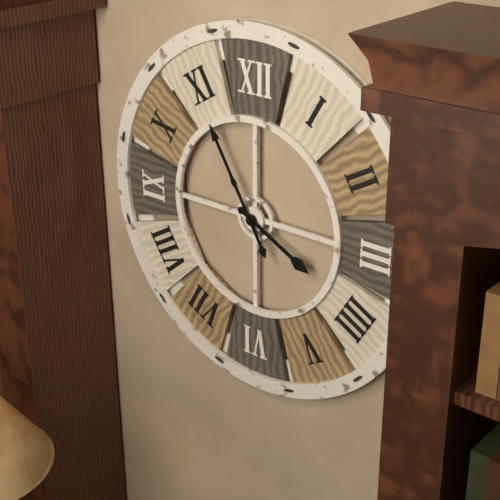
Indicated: **3:55**
